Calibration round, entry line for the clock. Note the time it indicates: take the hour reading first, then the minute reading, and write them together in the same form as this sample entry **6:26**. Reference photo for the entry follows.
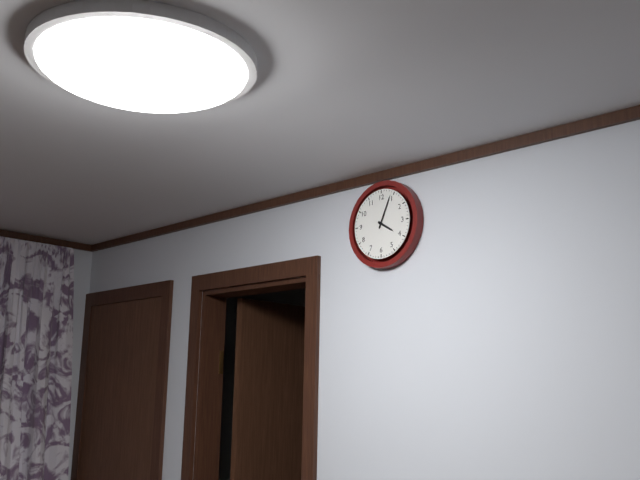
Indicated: **4:04**
